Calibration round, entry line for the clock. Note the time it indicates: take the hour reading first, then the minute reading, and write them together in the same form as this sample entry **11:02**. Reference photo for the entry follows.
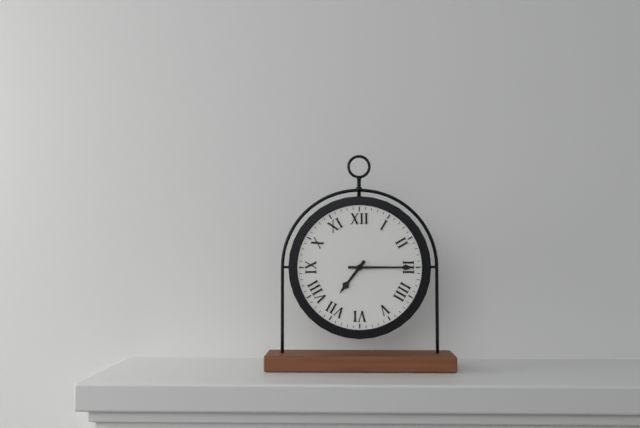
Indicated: **7:15**
